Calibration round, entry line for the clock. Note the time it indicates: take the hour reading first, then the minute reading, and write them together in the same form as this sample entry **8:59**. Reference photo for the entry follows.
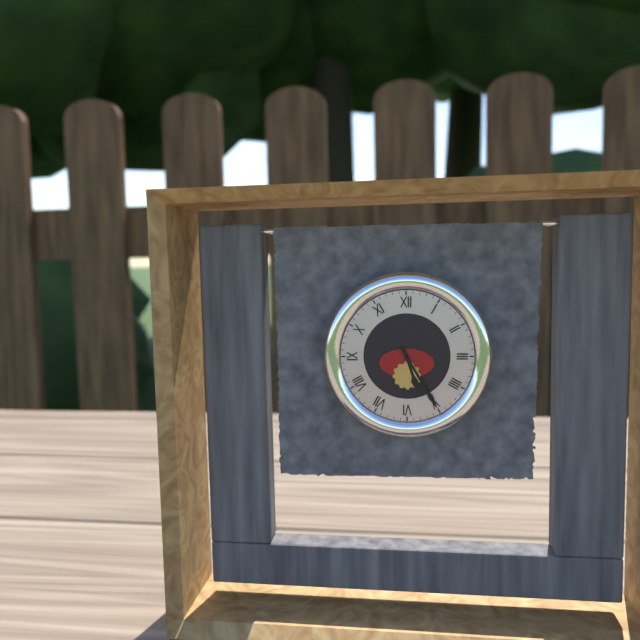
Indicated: **5:25**
